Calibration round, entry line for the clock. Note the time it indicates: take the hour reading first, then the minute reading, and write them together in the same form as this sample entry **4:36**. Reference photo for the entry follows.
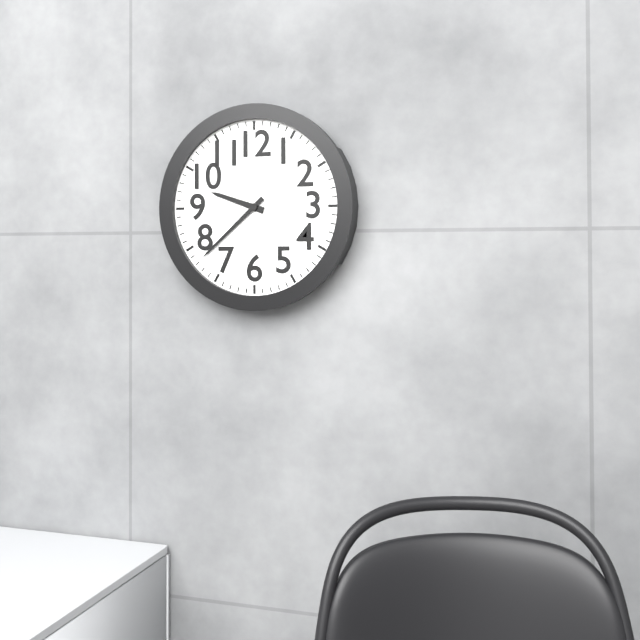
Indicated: **9:38**
